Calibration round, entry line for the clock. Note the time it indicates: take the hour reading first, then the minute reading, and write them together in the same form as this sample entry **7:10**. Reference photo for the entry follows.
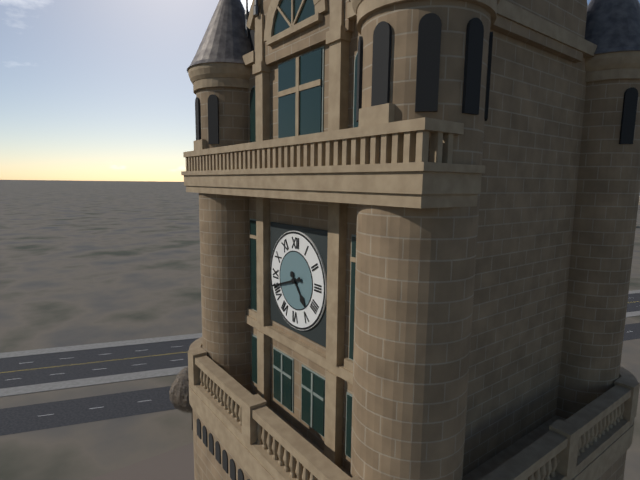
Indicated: **4:42**
